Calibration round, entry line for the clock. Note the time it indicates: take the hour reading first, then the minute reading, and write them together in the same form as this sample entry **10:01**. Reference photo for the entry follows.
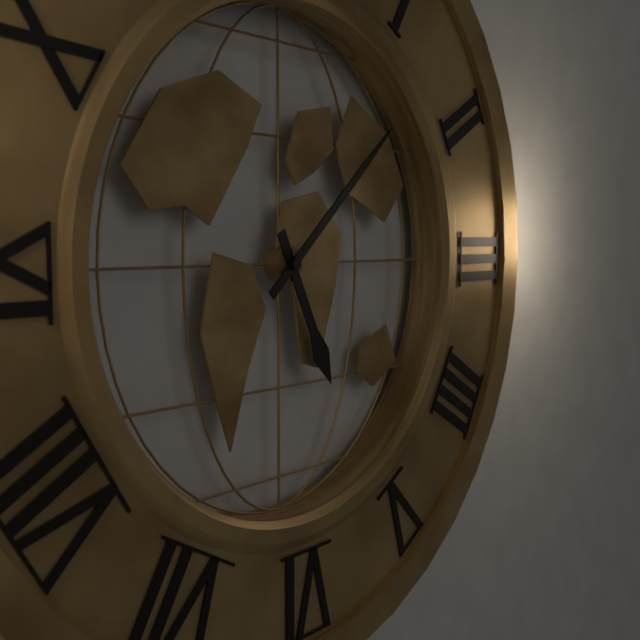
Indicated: **5:08**
